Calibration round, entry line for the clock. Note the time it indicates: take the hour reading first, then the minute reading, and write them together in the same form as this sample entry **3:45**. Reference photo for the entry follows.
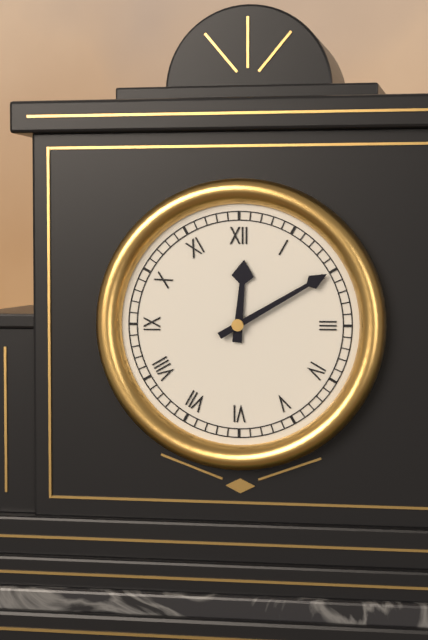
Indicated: **12:10**
